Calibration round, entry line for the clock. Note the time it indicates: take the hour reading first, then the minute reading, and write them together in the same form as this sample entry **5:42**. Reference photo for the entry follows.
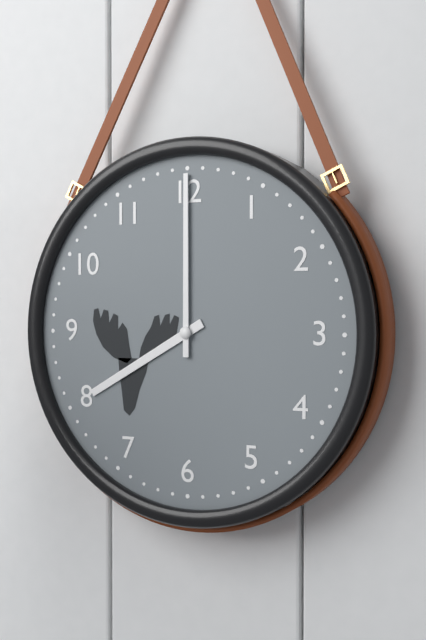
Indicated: **8:00**
